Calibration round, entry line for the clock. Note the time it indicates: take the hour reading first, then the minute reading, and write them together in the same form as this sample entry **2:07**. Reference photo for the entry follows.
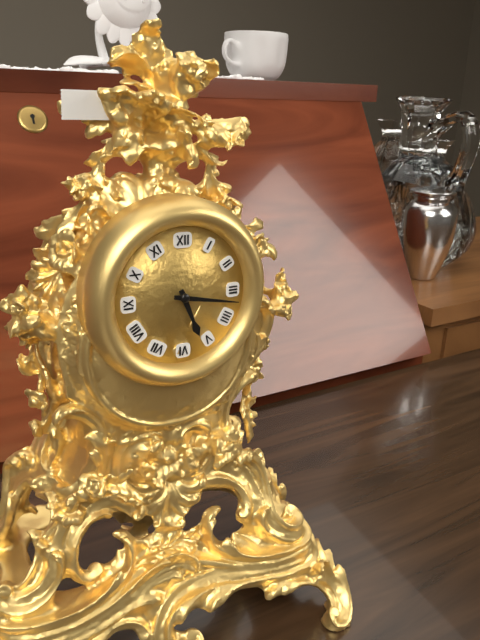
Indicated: **5:17**
